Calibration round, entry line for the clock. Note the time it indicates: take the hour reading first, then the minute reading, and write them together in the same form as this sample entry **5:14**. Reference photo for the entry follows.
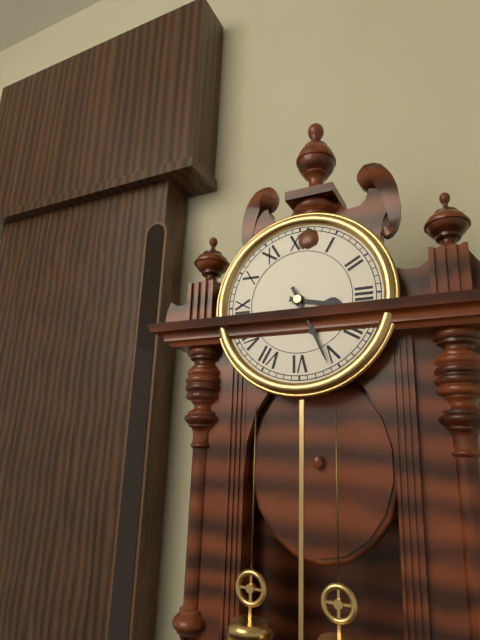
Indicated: **3:26**
